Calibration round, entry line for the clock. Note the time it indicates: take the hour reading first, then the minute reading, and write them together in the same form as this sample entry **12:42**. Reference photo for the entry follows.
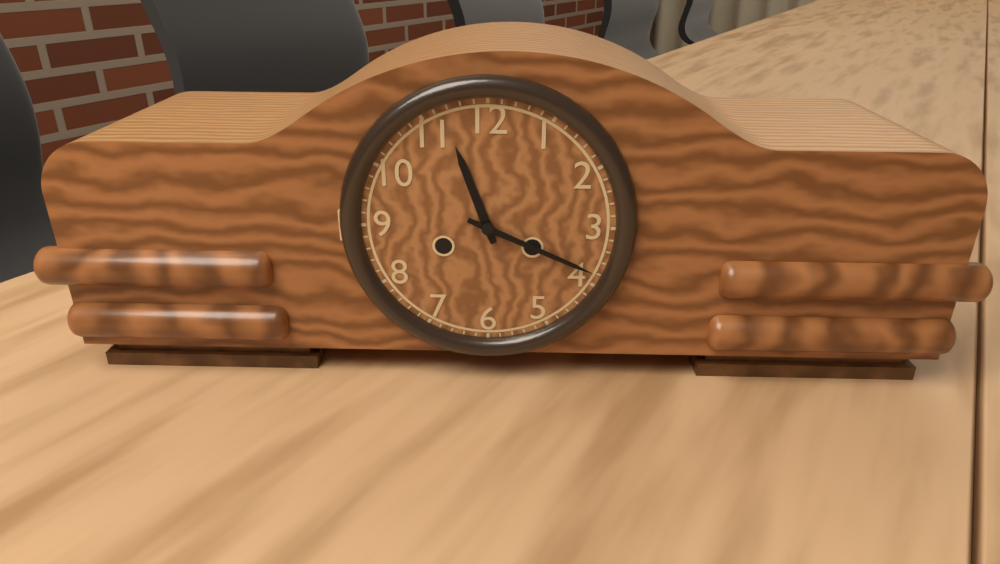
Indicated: **11:19**
